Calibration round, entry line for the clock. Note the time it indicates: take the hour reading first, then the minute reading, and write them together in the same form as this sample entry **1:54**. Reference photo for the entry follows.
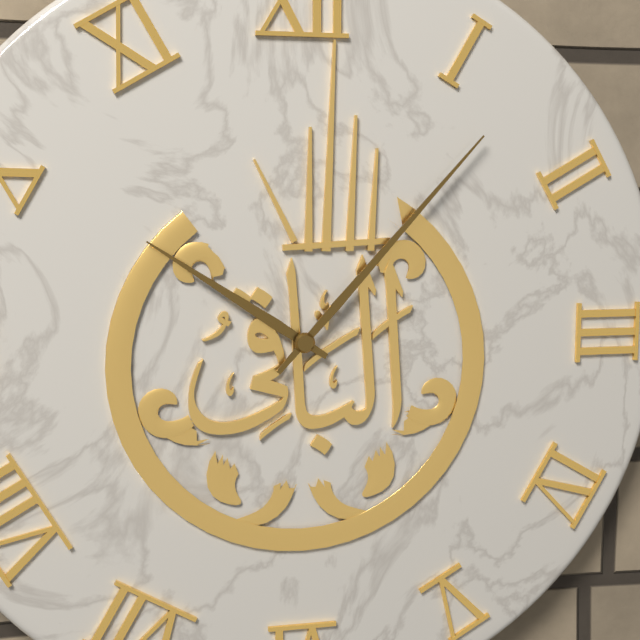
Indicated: **10:07**
